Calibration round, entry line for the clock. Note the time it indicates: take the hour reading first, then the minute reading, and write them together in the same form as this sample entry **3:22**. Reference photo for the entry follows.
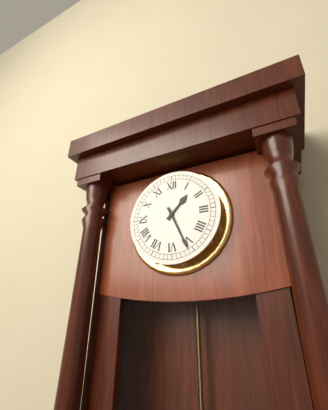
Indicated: **1:26**
